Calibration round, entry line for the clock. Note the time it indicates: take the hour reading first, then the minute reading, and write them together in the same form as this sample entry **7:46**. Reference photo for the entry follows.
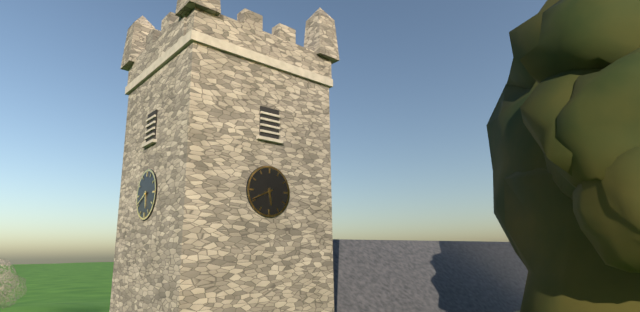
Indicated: **5:41**
